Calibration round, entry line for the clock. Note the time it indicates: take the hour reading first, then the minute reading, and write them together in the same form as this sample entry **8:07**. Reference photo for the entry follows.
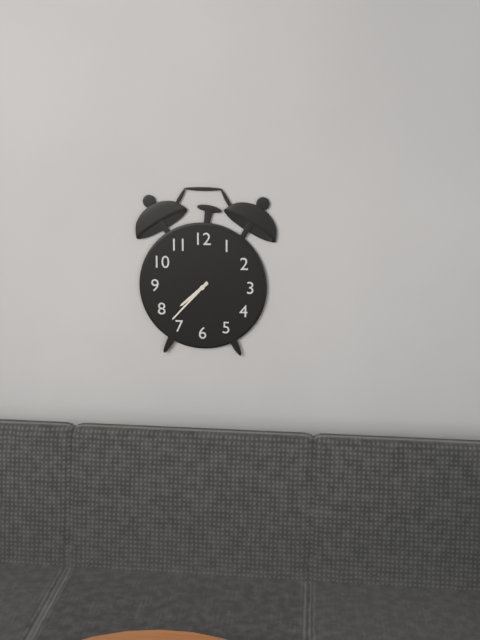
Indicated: **7:37**
